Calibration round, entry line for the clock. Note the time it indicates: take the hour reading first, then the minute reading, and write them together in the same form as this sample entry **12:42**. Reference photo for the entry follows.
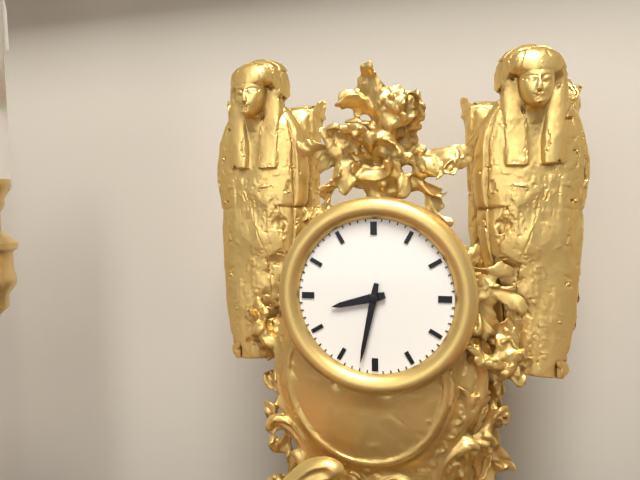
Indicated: **8:32**
